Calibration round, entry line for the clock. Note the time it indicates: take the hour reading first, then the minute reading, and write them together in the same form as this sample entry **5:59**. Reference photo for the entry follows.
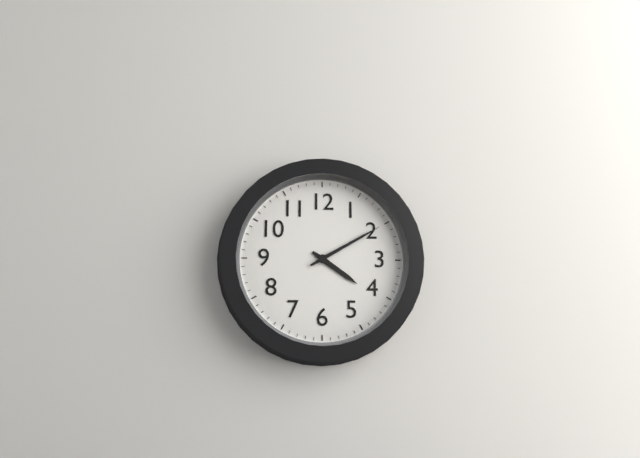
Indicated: **4:10**
